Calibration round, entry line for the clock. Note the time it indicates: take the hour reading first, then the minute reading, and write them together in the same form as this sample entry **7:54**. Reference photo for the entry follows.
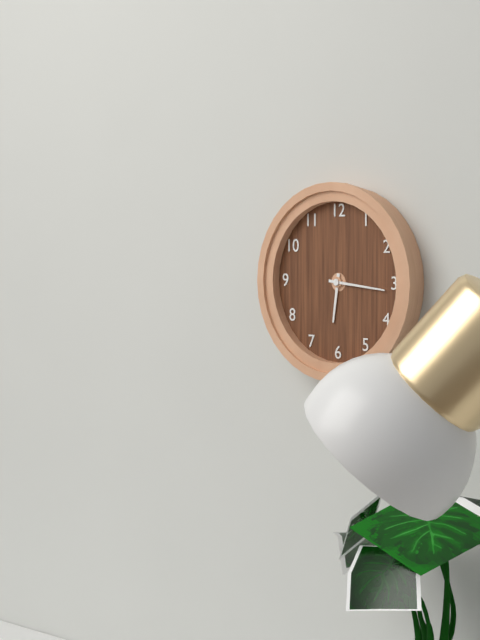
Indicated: **6:16**
